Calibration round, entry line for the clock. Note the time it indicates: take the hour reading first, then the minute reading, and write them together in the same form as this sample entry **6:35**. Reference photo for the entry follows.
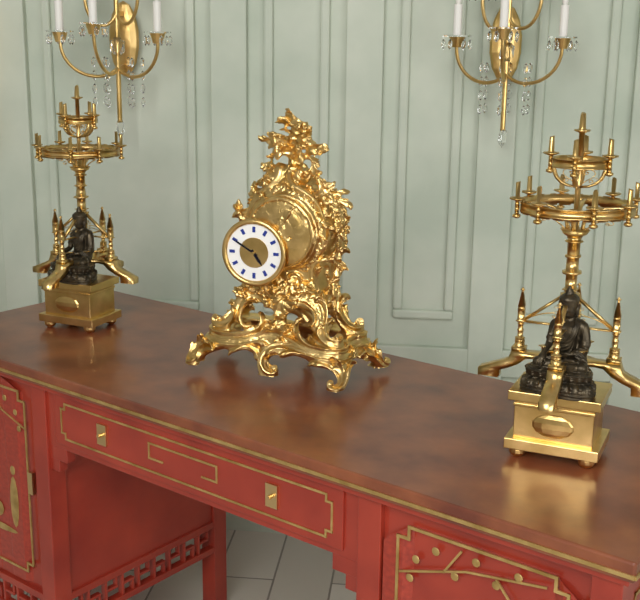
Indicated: **4:50**
